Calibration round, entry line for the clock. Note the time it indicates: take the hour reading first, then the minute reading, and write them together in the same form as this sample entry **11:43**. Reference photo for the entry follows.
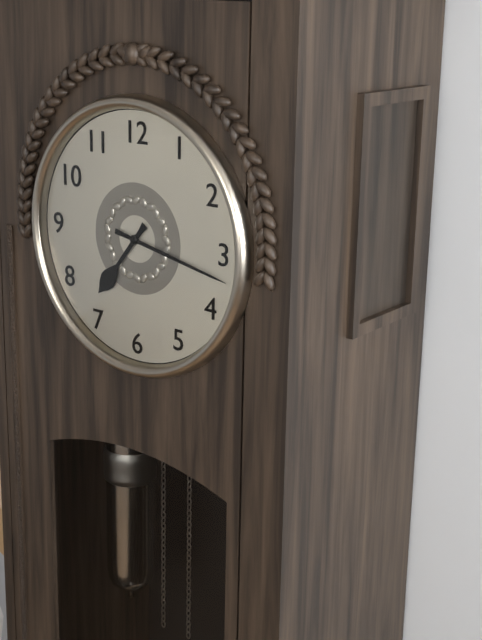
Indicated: **7:17**
